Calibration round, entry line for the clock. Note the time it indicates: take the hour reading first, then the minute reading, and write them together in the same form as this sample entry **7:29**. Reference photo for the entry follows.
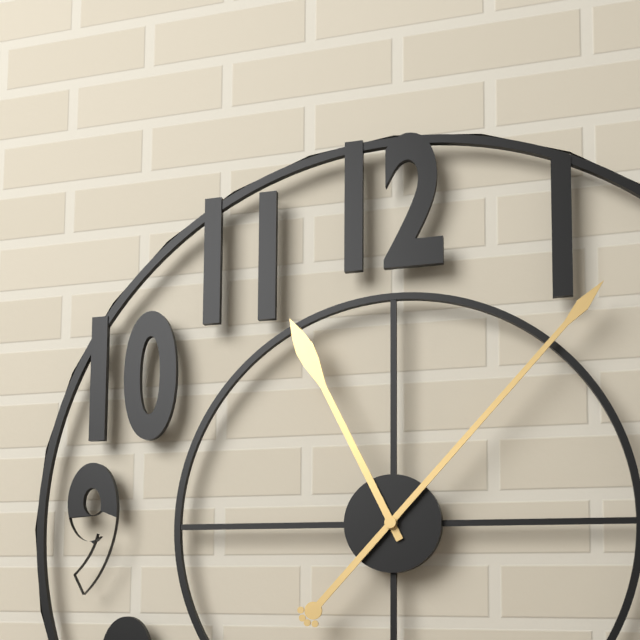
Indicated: **11:07**
